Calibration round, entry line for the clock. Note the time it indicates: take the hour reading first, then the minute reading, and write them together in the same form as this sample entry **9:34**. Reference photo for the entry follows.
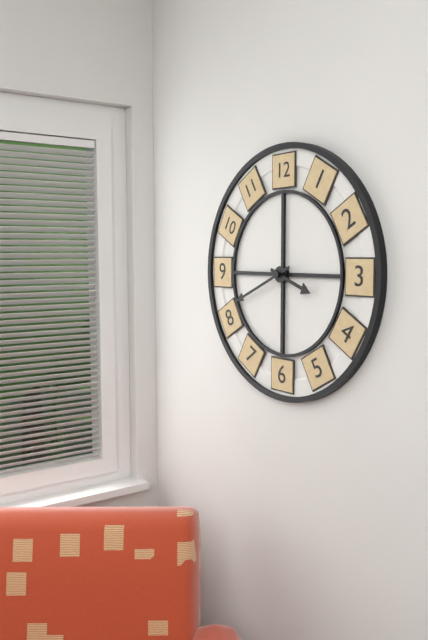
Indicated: **3:41**
